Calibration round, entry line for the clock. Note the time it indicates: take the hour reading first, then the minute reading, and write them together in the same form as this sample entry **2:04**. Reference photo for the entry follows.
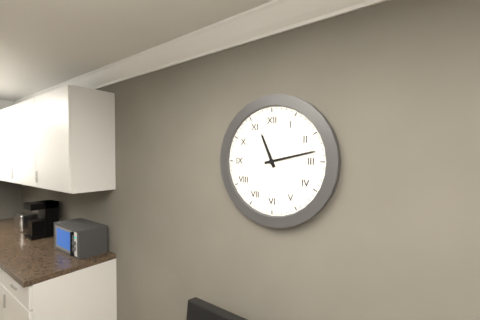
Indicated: **11:13**
